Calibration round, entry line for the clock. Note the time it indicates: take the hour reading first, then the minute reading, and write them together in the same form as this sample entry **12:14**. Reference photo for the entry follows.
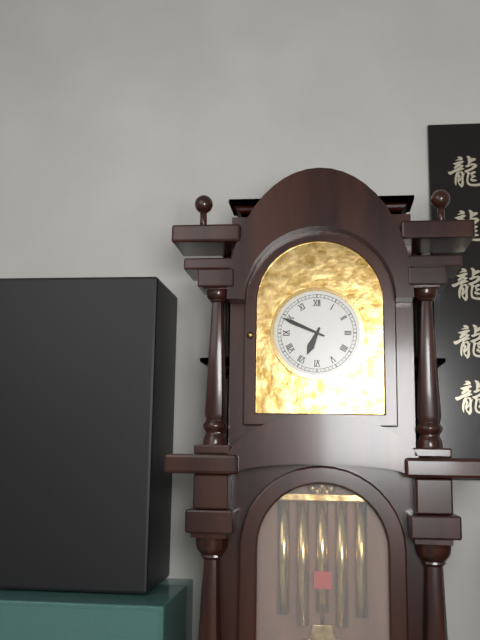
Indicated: **6:49**
